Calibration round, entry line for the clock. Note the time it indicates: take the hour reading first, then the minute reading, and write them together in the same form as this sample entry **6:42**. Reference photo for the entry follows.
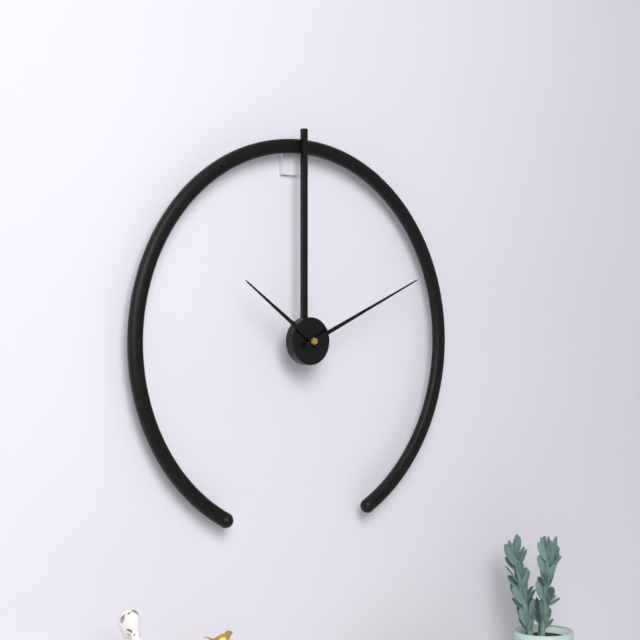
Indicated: **10:11**
